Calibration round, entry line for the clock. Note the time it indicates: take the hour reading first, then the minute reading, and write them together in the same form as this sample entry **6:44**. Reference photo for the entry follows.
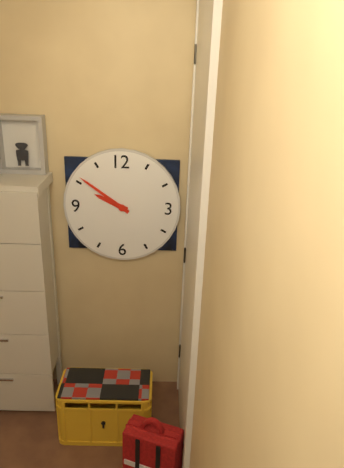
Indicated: **9:51**
